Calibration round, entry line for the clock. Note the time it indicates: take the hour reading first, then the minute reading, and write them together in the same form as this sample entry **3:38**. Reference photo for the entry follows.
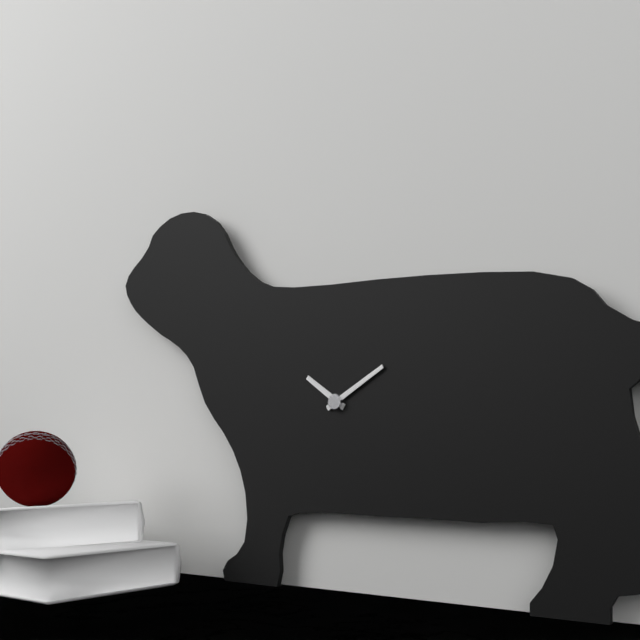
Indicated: **10:10**
